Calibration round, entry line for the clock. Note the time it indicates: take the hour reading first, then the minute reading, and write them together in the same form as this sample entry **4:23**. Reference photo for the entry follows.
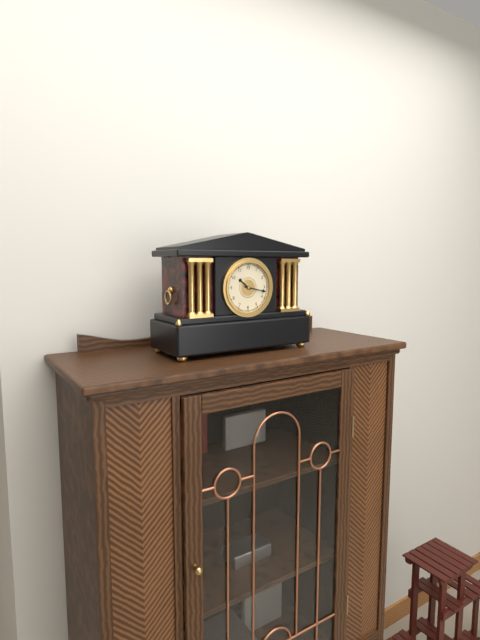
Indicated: **10:17**
